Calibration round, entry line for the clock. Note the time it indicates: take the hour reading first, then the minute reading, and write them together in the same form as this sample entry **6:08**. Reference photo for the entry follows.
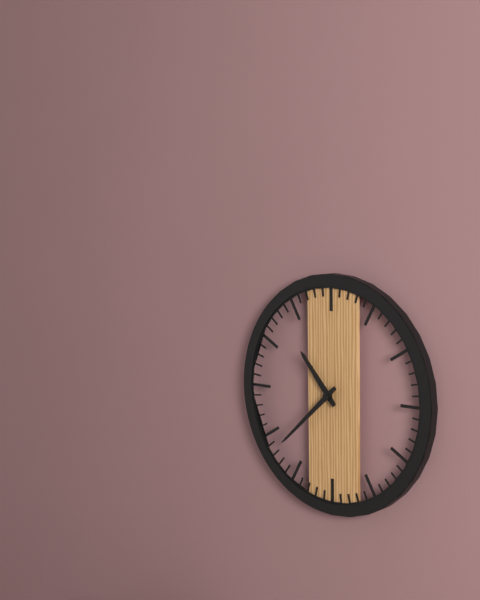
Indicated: **10:38**
